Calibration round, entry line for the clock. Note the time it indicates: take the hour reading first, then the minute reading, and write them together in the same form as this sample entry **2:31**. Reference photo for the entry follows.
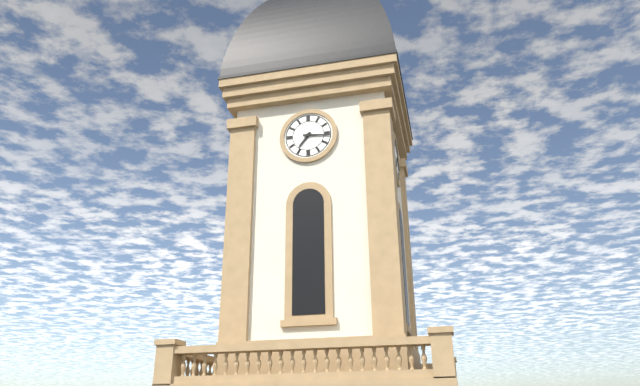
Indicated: **7:16**
